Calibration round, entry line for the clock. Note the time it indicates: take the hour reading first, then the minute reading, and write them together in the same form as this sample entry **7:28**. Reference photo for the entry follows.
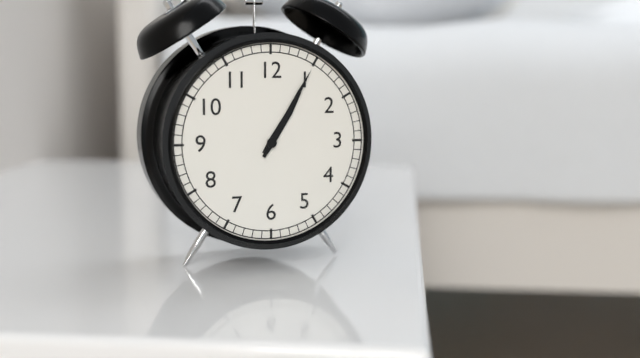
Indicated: **1:05**
